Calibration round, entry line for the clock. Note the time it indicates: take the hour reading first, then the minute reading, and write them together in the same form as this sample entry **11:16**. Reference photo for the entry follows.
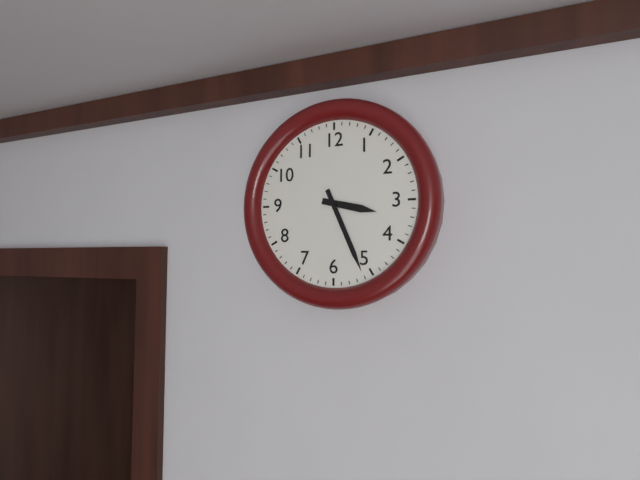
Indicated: **3:26**
